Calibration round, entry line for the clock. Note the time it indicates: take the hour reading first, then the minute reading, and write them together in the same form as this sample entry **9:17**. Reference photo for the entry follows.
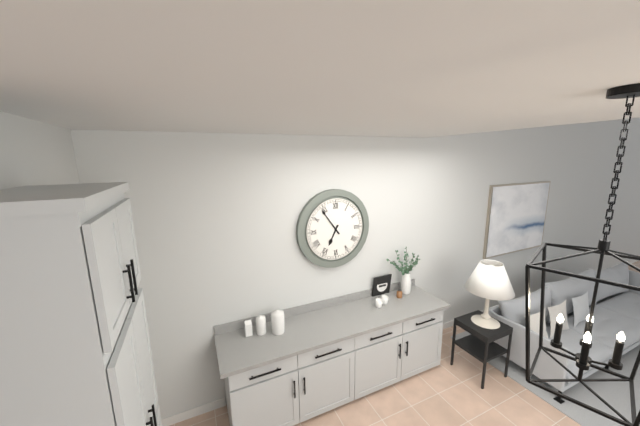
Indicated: **6:54**
